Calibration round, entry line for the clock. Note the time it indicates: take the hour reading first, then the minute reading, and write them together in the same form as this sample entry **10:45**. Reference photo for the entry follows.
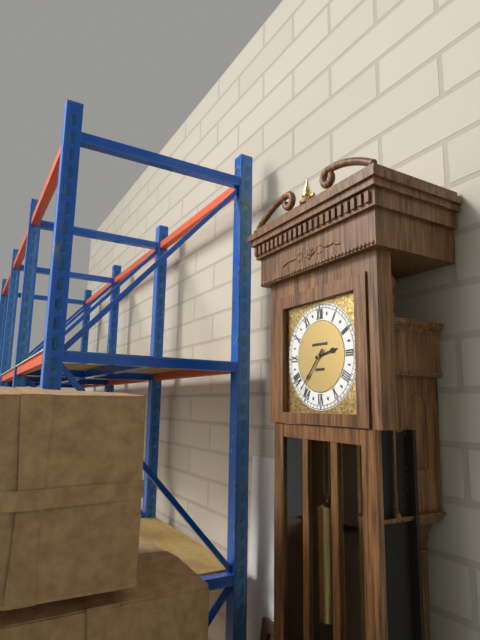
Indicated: **2:37**
